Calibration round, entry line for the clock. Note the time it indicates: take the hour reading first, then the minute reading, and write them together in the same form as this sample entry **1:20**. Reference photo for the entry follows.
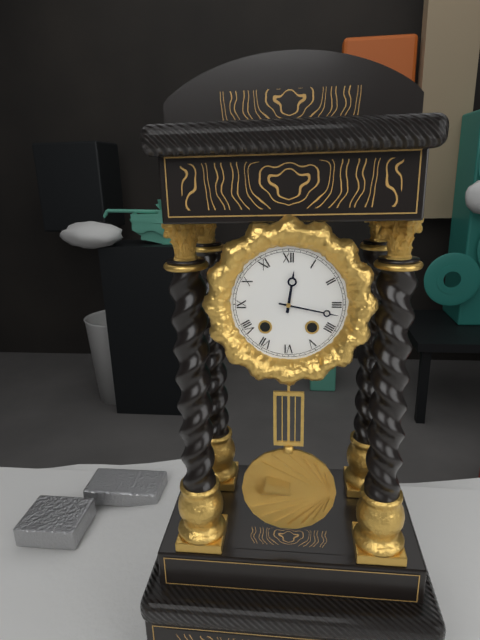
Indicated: **12:17**
